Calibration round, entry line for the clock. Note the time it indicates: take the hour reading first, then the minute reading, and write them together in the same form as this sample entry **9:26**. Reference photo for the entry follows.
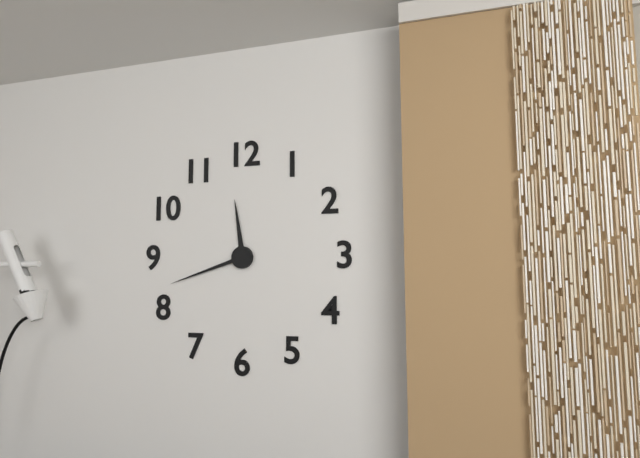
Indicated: **11:42**
